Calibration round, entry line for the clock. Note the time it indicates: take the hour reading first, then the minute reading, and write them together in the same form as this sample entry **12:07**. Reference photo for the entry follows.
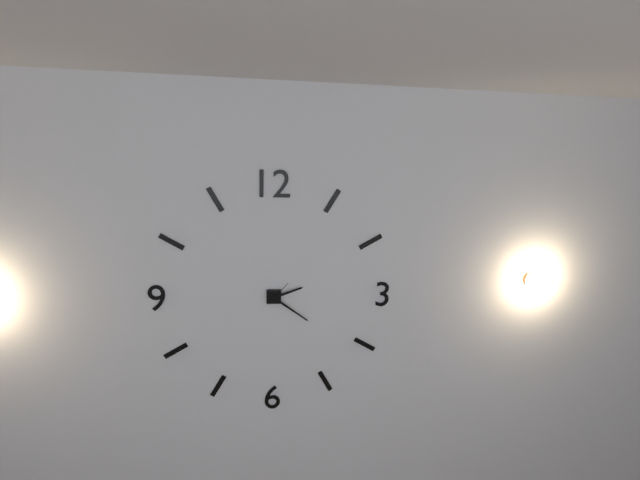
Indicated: **2:21**
